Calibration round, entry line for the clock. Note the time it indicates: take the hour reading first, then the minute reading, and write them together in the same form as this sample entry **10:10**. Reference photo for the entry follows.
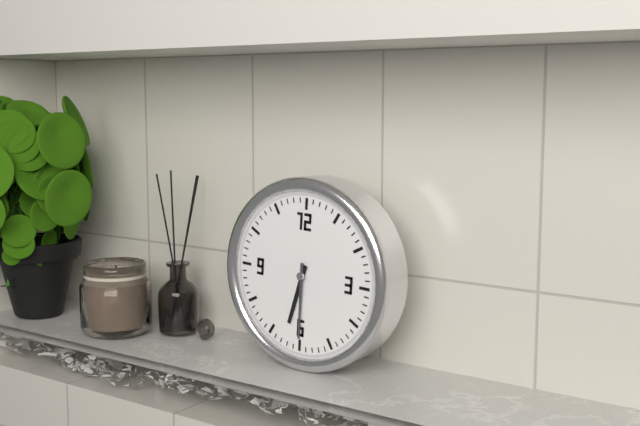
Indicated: **6:30**
